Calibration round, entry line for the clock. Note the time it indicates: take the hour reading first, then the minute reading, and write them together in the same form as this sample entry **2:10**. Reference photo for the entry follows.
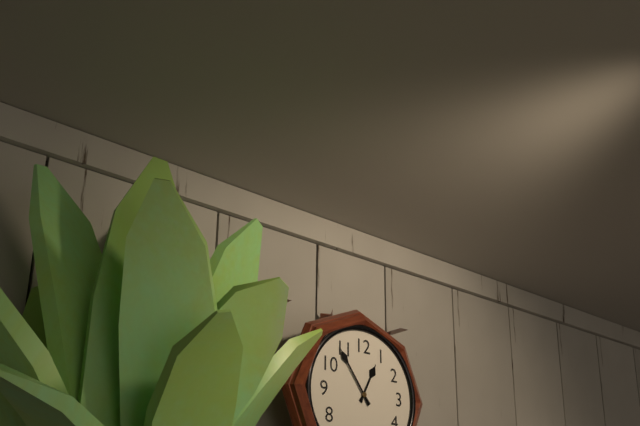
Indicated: **12:54**
